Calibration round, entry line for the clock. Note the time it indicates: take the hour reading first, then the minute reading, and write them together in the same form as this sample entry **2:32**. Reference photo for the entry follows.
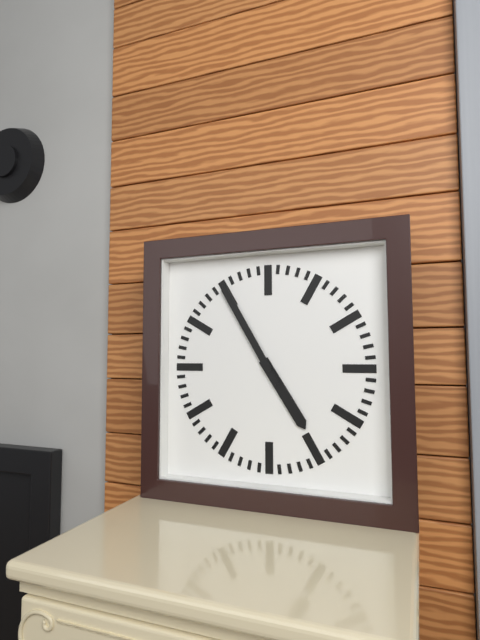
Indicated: **4:55**
